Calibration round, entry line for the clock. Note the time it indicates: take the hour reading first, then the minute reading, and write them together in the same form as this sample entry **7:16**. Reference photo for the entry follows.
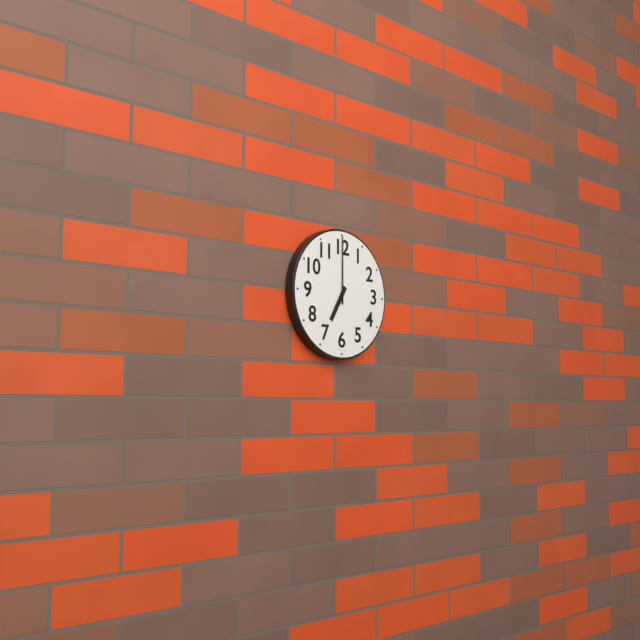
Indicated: **7:00**
